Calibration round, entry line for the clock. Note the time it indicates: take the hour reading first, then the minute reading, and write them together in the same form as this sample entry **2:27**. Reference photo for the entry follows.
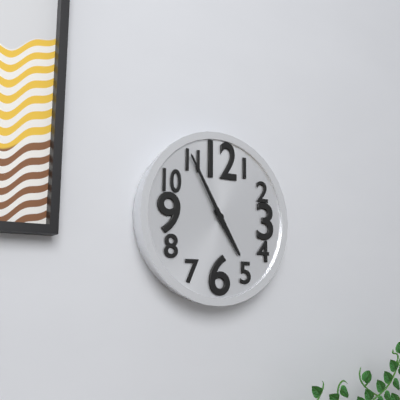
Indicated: **4:55**
